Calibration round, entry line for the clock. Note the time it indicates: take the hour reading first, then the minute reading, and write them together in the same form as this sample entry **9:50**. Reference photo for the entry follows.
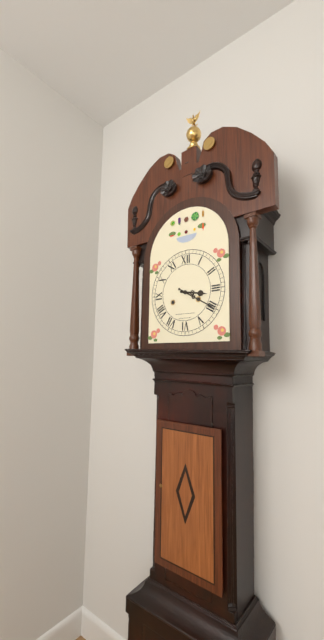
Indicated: **3:20**
